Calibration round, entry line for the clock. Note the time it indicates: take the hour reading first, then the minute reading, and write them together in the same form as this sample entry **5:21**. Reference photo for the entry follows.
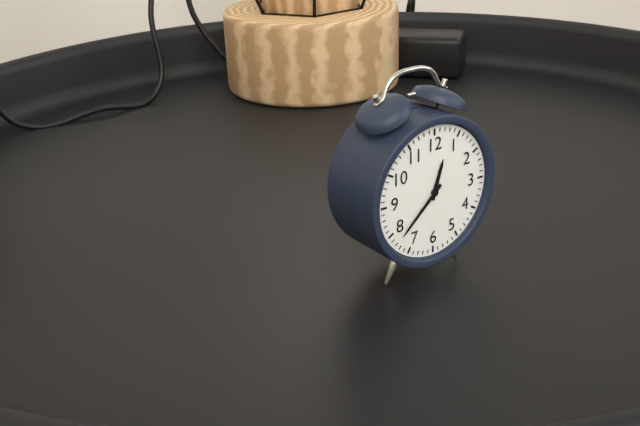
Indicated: **12:38**
